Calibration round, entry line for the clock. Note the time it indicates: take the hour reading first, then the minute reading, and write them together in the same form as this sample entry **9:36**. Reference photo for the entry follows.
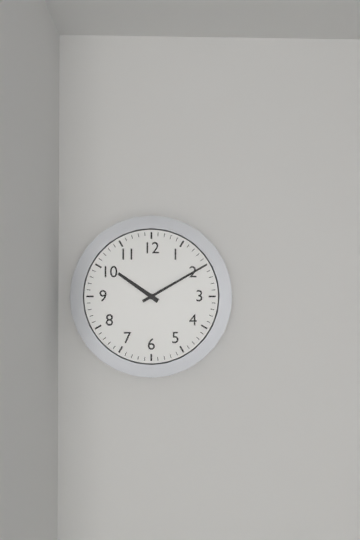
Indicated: **10:10**
